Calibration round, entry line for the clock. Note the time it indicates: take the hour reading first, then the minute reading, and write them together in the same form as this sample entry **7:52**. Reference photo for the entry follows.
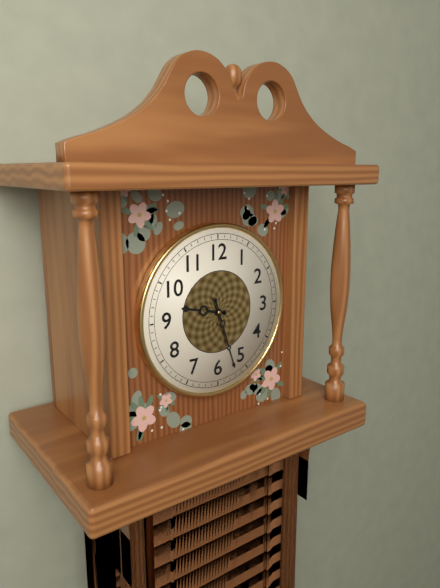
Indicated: **9:27**
